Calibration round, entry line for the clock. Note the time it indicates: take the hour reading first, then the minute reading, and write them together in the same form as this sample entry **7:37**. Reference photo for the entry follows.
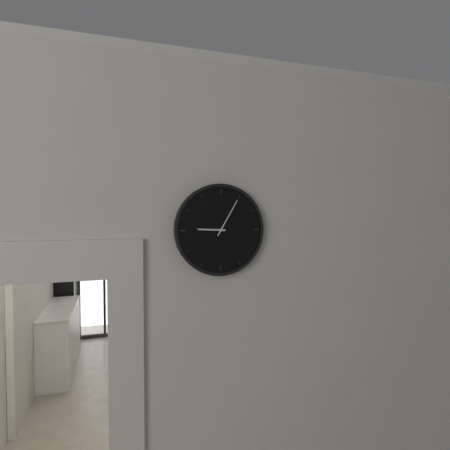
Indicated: **9:05**
